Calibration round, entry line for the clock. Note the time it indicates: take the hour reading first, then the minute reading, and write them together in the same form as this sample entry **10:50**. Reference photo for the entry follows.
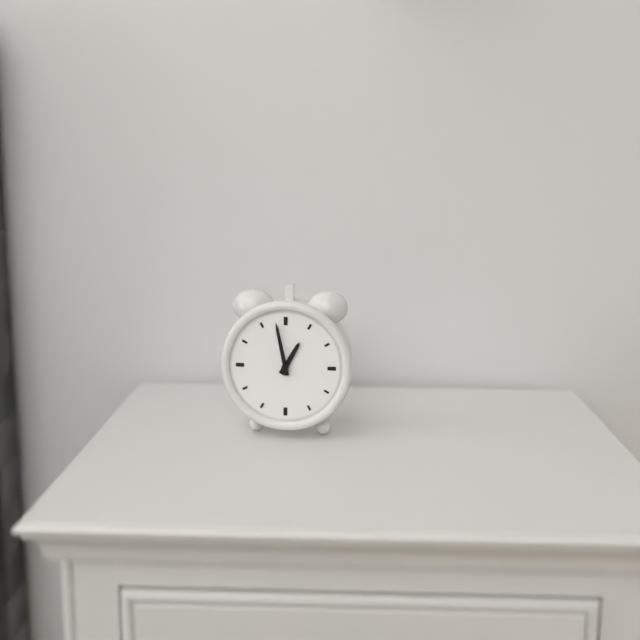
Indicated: **12:58**
